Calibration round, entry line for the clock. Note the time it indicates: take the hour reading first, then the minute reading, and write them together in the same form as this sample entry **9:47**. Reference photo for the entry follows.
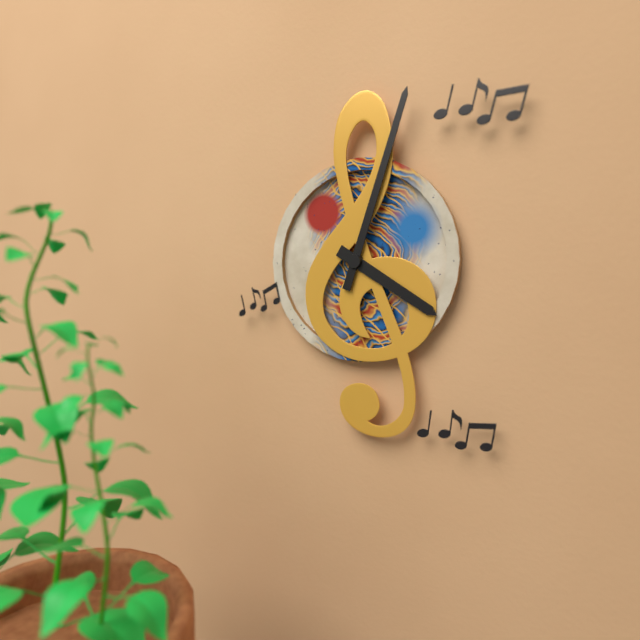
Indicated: **4:03**
